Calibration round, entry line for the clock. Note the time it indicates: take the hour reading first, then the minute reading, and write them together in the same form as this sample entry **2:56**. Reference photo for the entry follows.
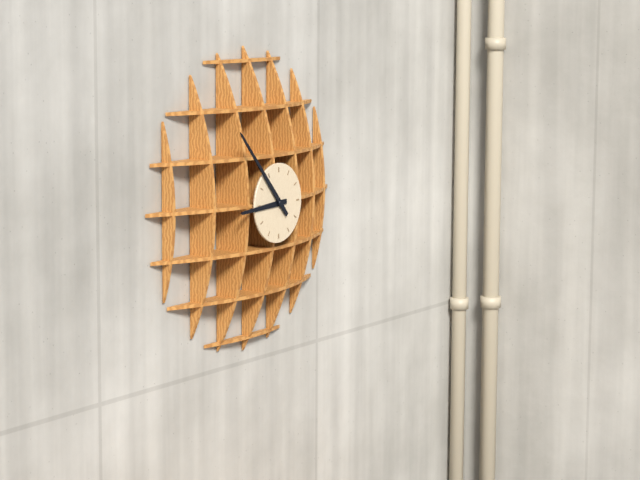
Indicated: **8:53**
